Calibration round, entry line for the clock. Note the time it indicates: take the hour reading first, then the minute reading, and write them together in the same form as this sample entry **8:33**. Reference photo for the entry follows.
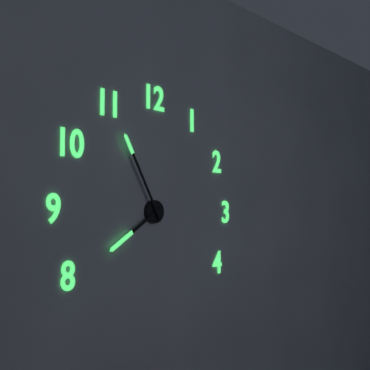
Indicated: **7:55**
